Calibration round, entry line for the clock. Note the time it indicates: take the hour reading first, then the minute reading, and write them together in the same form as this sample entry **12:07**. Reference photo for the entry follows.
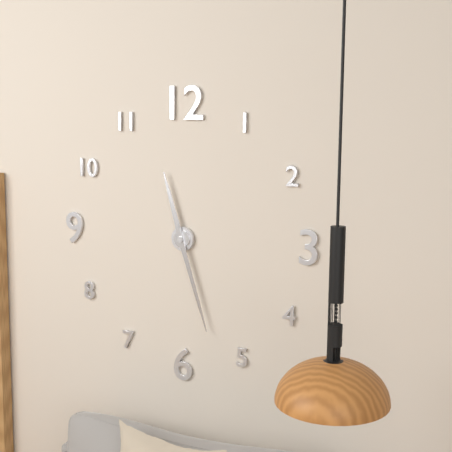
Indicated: **11:27**
